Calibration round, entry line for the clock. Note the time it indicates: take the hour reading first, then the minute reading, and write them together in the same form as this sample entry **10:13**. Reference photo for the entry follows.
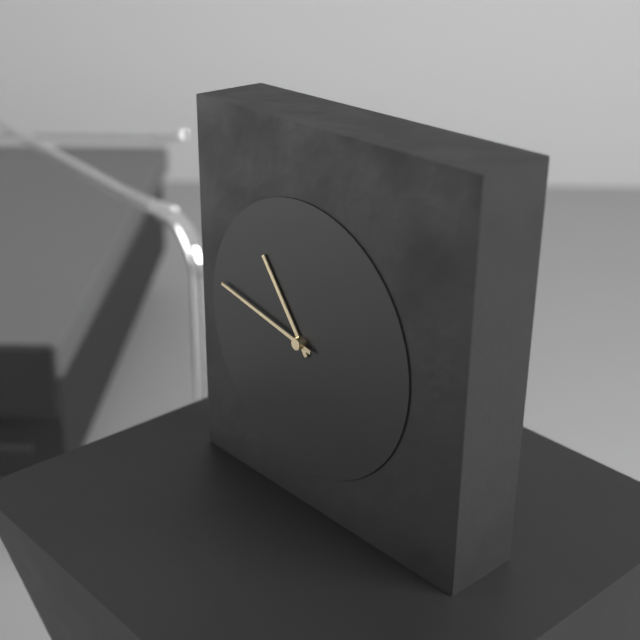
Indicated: **10:47**
